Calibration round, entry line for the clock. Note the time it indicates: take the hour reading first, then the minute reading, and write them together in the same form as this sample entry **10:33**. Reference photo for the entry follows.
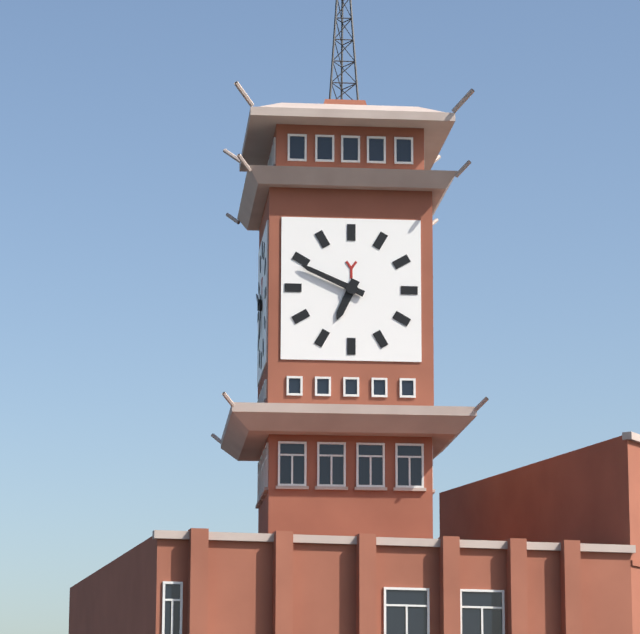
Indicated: **6:49**
